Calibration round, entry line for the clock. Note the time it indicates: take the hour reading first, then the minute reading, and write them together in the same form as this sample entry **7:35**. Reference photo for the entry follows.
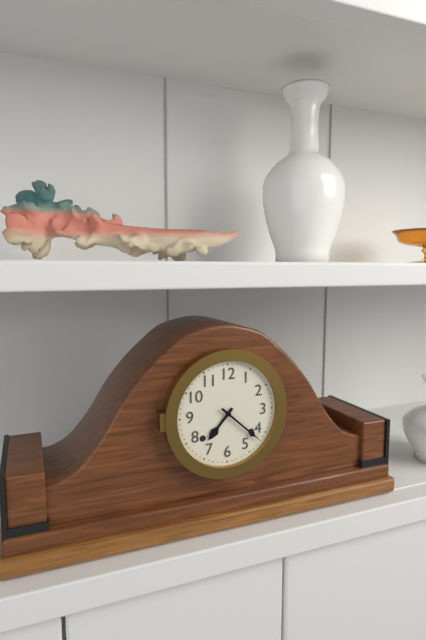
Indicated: **7:22**
